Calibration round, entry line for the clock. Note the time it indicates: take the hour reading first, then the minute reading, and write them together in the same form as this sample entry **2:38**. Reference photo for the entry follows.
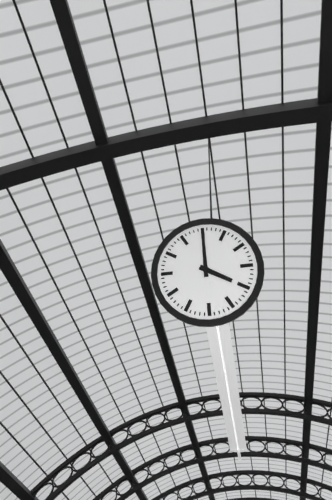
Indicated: **4:00**
